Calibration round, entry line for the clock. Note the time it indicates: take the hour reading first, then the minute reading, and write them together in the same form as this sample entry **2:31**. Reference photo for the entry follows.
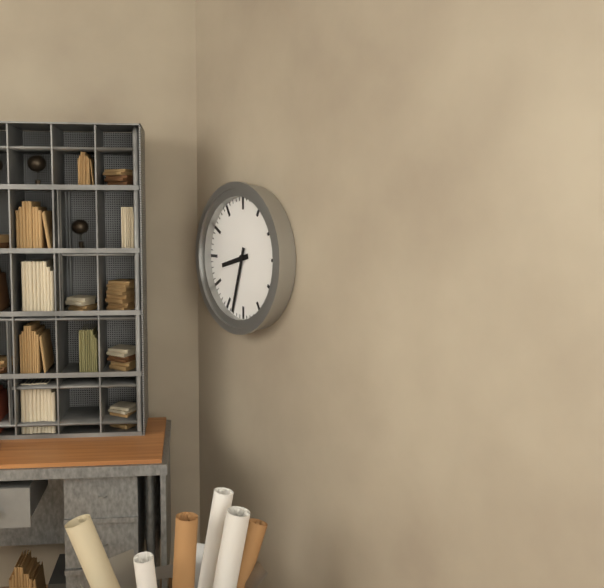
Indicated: **8:33**
